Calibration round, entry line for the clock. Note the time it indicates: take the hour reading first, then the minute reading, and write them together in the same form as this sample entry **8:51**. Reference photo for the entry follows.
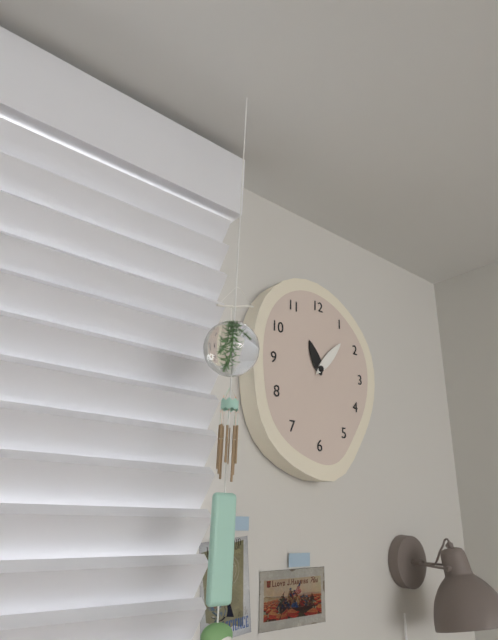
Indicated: **11:07**
